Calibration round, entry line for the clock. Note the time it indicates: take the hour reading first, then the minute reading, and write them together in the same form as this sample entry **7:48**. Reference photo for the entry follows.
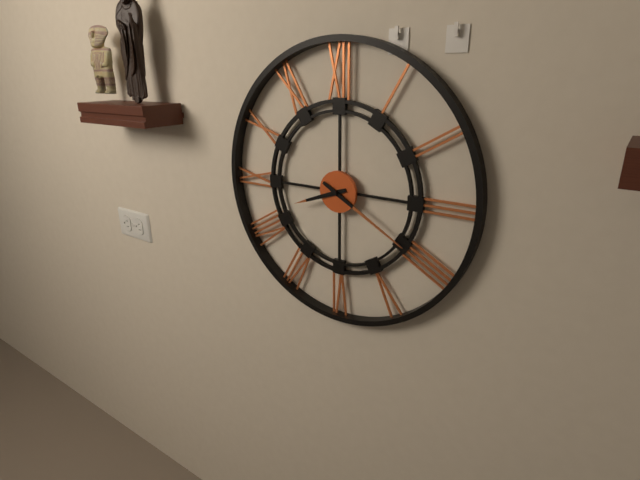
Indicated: **8:20**
